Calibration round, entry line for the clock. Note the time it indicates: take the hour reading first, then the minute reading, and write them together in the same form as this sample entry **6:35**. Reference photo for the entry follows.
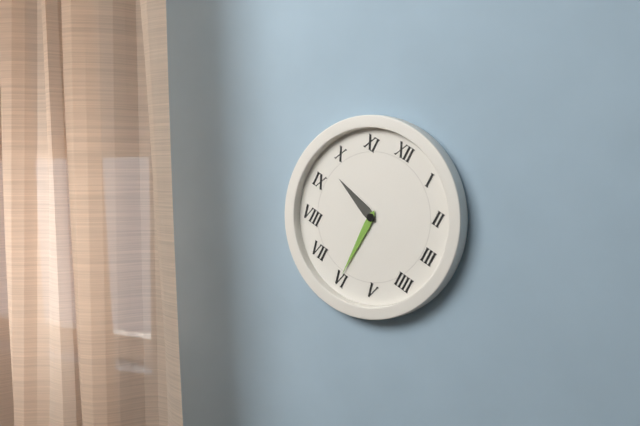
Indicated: **9:30**
